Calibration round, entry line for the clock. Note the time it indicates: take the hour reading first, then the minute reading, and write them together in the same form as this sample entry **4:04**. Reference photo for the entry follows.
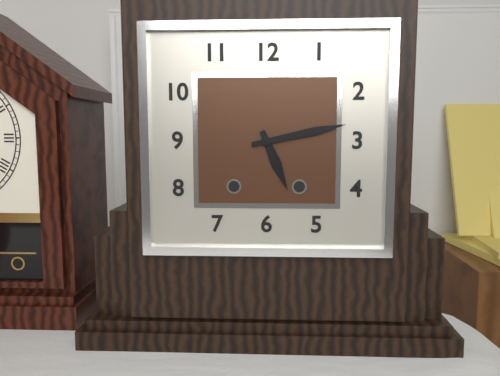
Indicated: **5:13**
